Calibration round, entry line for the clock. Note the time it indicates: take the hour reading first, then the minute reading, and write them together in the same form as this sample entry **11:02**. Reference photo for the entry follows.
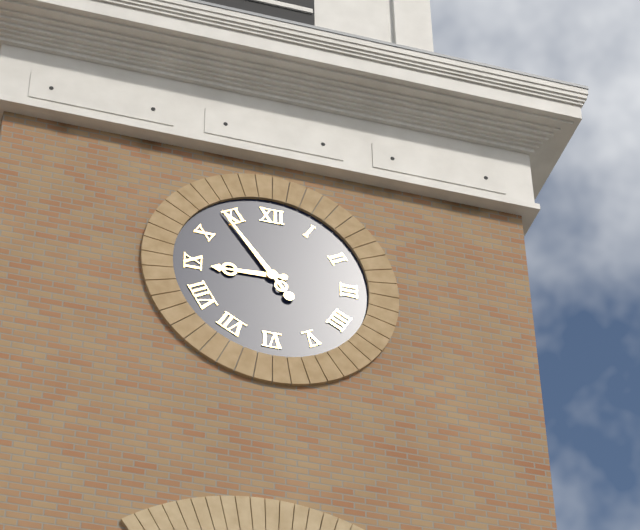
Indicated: **8:54**
